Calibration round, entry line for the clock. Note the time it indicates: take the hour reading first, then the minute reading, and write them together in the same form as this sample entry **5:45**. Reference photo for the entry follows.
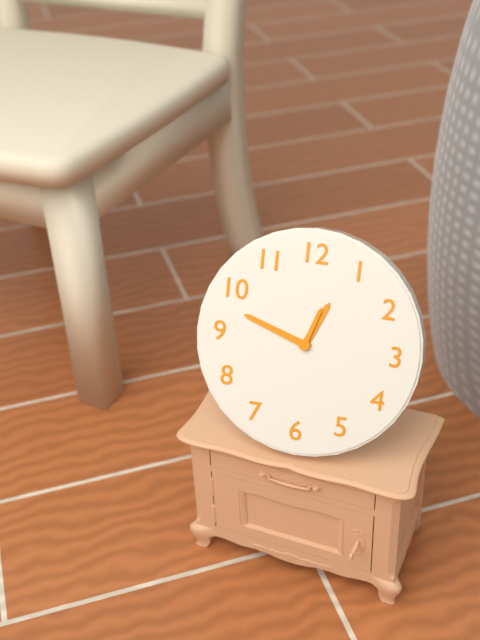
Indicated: **12:48**
